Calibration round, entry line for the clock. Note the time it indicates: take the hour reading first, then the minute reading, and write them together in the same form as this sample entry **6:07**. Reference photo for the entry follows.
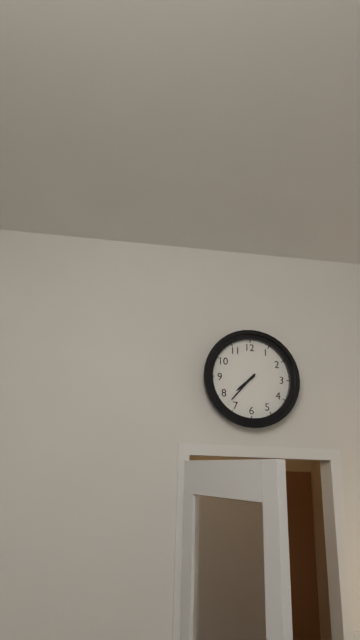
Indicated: **7:37**
